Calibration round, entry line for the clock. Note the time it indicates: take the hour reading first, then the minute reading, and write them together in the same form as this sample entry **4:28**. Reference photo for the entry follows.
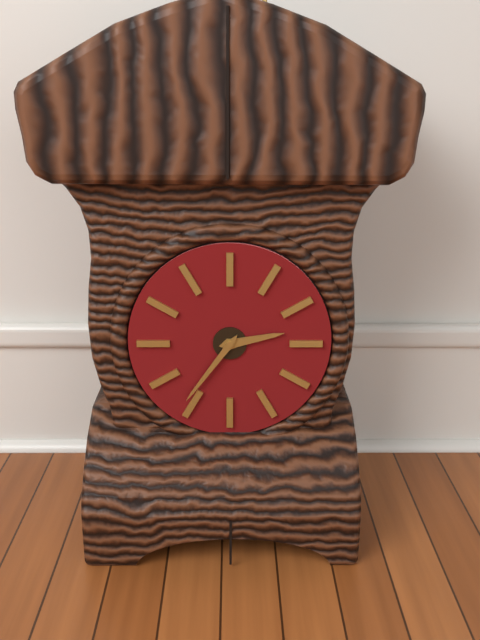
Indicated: **2:36**
